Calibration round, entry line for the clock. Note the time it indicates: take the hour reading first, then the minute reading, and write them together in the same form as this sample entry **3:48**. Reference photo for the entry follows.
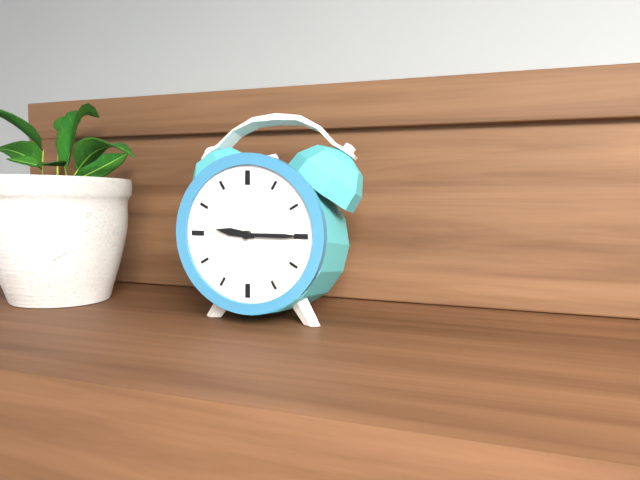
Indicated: **9:15**
